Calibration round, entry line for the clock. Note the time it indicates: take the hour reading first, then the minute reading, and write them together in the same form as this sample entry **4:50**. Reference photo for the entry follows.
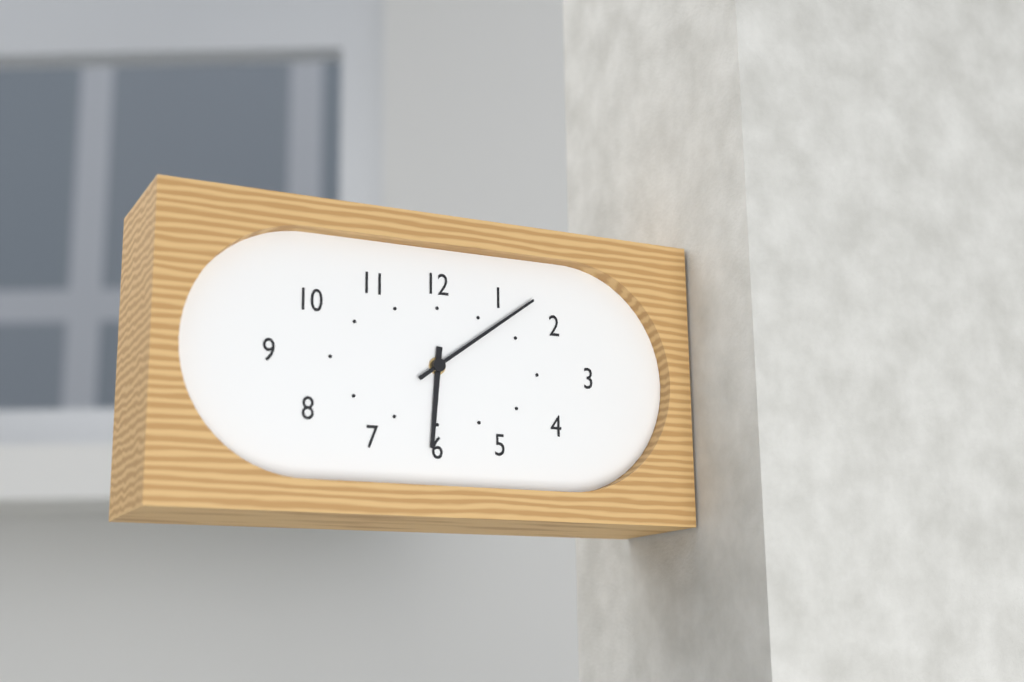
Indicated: **6:09**
